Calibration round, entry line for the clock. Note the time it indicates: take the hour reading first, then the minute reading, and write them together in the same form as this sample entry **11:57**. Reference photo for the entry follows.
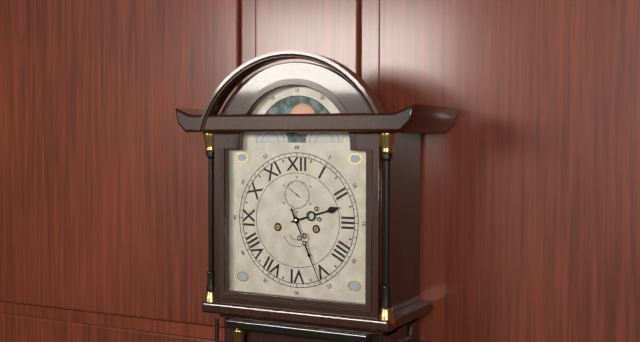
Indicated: **2:26**
